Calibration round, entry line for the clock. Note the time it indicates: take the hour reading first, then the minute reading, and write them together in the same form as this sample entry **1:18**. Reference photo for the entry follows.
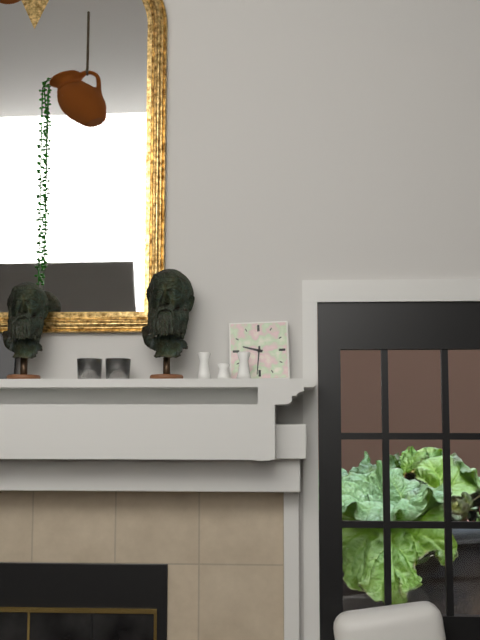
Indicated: **9:31**
